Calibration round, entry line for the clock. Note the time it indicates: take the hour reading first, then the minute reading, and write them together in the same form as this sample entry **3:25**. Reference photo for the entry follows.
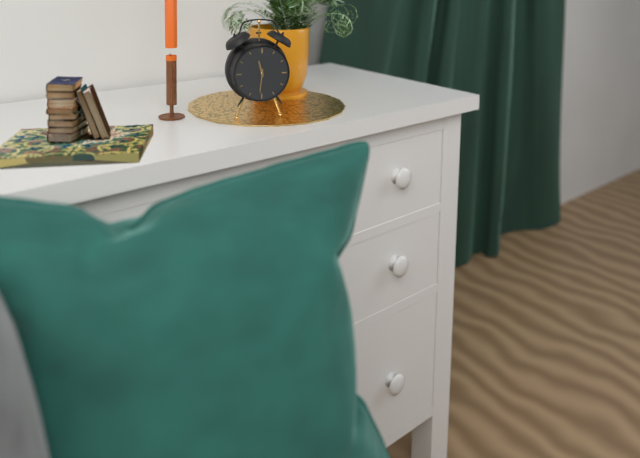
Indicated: **11:31**
